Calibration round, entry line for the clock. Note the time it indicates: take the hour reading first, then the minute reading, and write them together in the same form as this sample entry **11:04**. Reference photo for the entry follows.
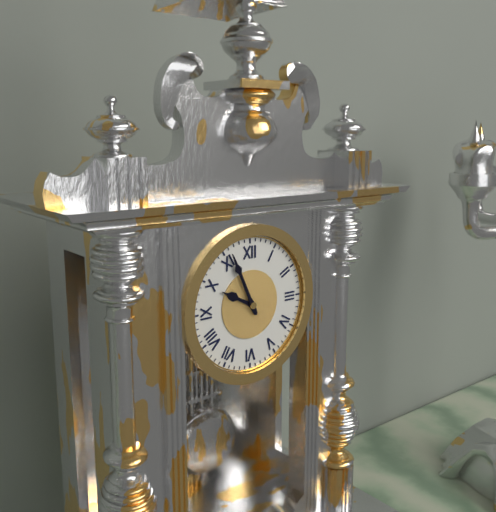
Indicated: **9:56**
